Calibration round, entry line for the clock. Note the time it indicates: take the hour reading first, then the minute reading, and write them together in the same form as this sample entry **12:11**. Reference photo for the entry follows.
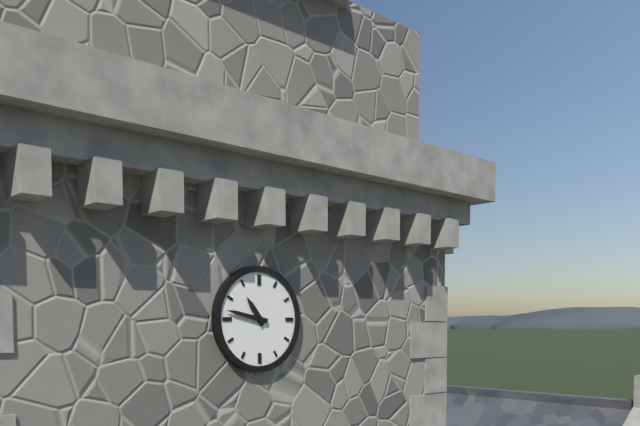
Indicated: **10:47**
